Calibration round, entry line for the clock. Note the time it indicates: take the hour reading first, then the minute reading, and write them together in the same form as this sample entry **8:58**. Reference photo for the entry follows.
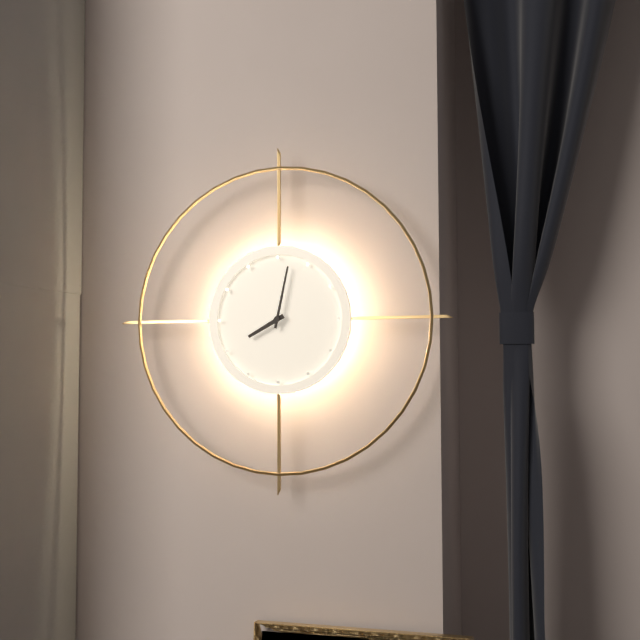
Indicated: **8:02**
